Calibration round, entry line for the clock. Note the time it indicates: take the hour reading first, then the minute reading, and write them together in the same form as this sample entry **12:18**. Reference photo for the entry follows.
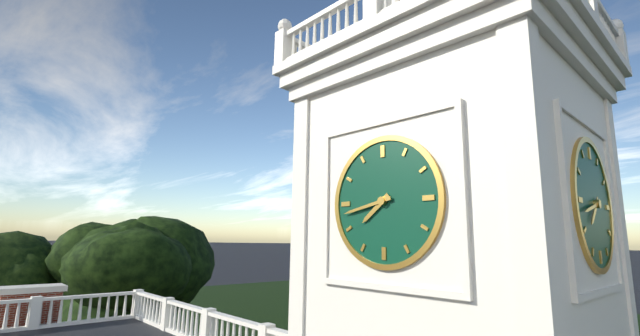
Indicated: **7:43**
